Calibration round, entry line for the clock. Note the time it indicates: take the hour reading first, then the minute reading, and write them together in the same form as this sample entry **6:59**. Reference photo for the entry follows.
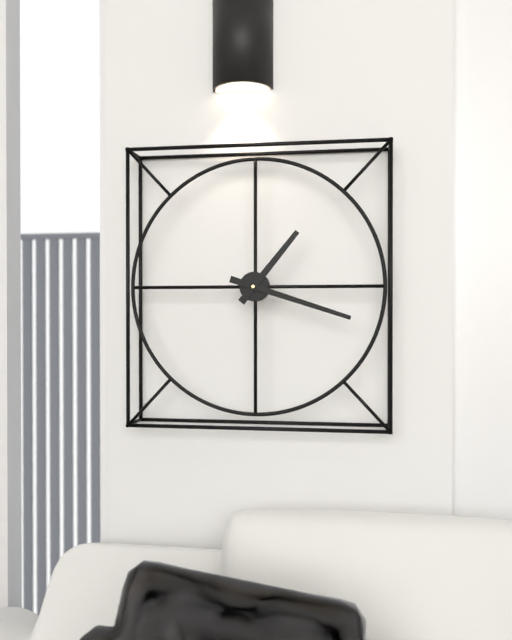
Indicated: **1:18**
